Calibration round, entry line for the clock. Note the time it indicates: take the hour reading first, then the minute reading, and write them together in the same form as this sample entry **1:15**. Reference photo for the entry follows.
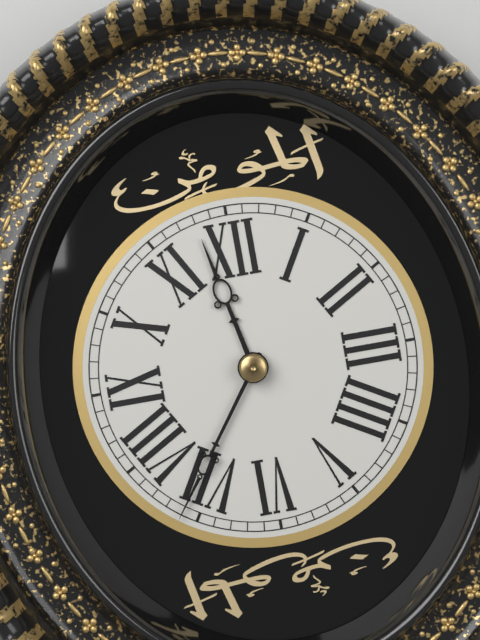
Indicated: **11:36**
